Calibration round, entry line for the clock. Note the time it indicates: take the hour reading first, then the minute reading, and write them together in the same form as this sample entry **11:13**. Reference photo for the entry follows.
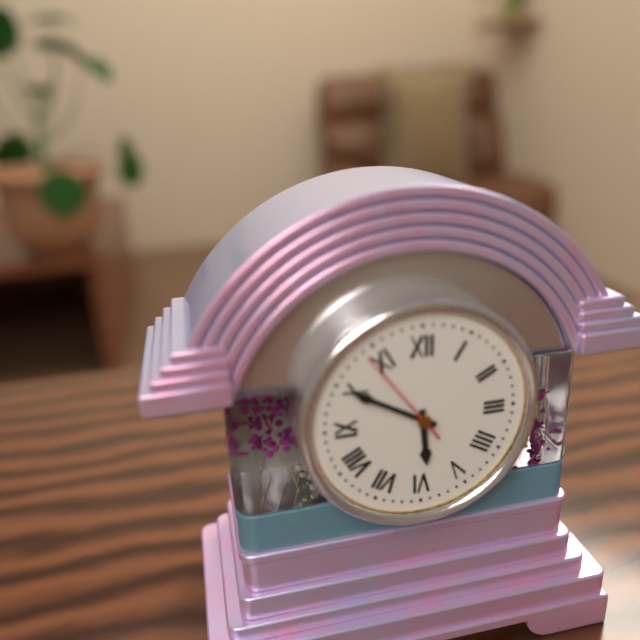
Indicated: **5:50**
